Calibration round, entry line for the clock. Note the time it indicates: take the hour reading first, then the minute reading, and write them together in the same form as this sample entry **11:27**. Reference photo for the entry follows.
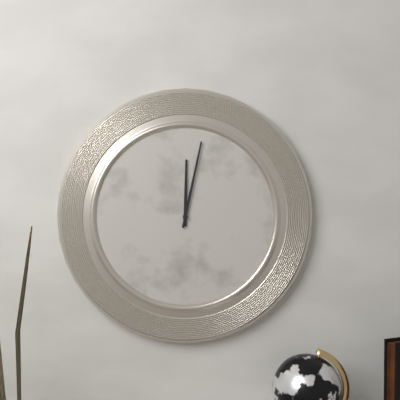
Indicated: **12:02**
